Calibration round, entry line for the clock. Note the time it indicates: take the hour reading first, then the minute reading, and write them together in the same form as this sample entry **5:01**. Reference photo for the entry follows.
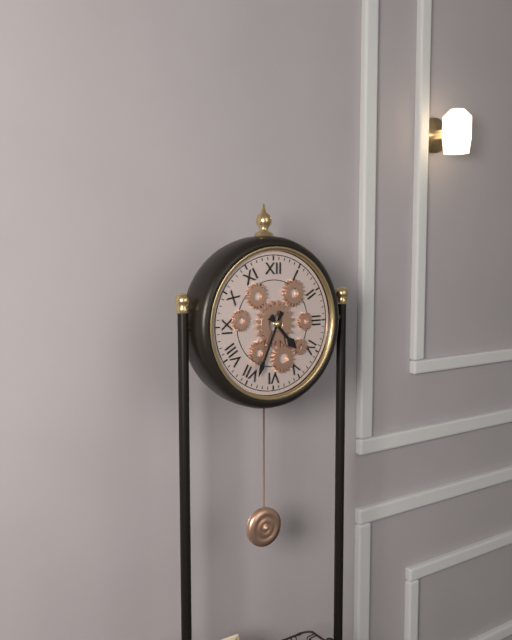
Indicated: **4:34**
